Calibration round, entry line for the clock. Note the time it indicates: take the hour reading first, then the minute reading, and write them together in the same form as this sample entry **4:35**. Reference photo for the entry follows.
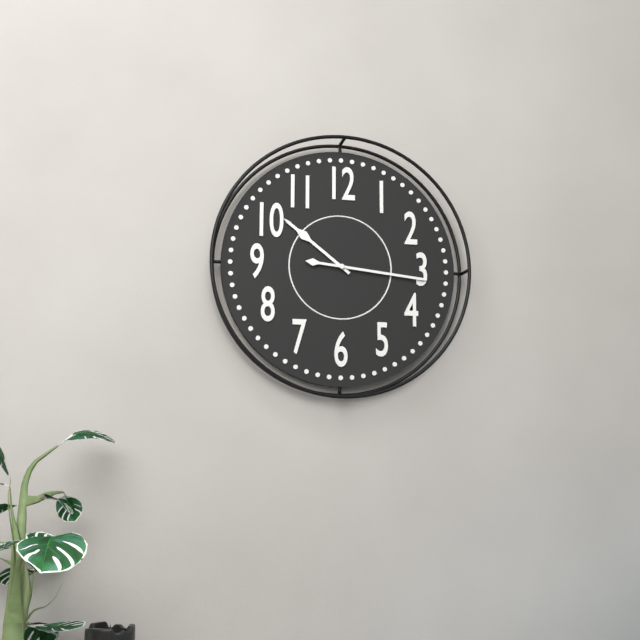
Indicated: **10:16**
